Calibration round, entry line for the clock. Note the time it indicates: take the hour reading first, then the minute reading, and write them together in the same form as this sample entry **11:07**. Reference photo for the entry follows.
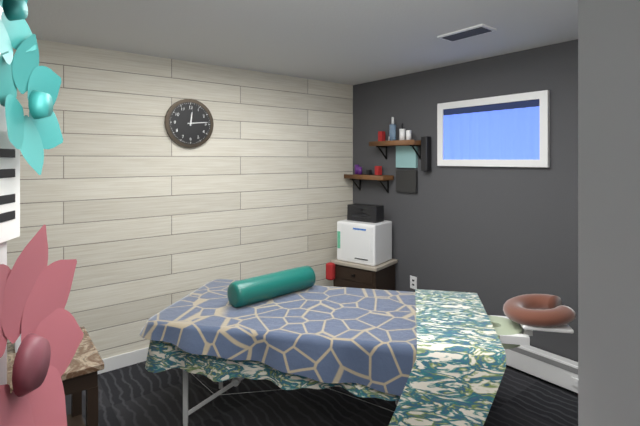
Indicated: **12:14**
